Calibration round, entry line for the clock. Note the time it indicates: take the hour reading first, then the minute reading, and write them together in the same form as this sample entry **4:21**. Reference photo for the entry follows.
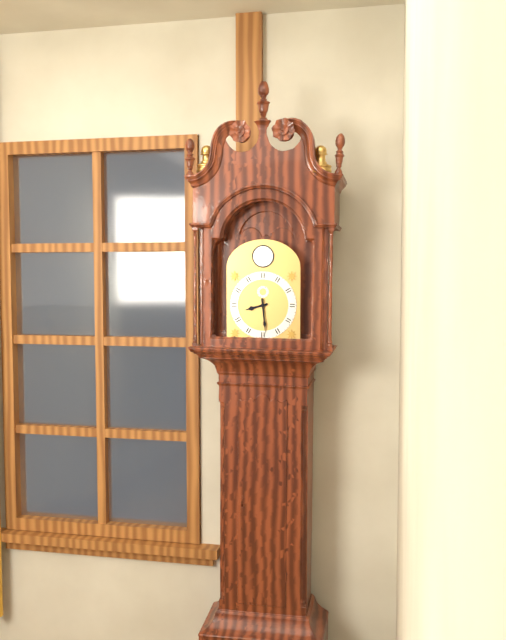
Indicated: **8:29**
